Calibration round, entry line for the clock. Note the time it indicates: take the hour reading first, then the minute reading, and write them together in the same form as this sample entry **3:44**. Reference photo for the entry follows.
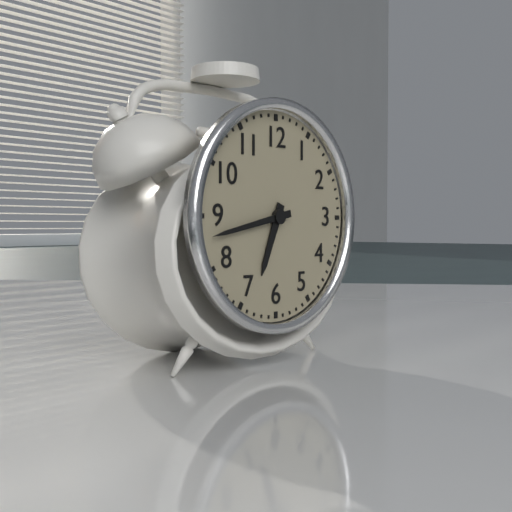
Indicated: **6:43**
